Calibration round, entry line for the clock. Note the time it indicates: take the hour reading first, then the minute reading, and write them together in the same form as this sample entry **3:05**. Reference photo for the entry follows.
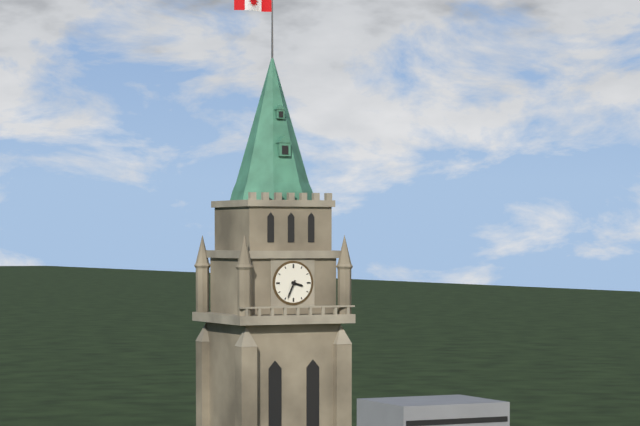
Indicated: **3:34**
